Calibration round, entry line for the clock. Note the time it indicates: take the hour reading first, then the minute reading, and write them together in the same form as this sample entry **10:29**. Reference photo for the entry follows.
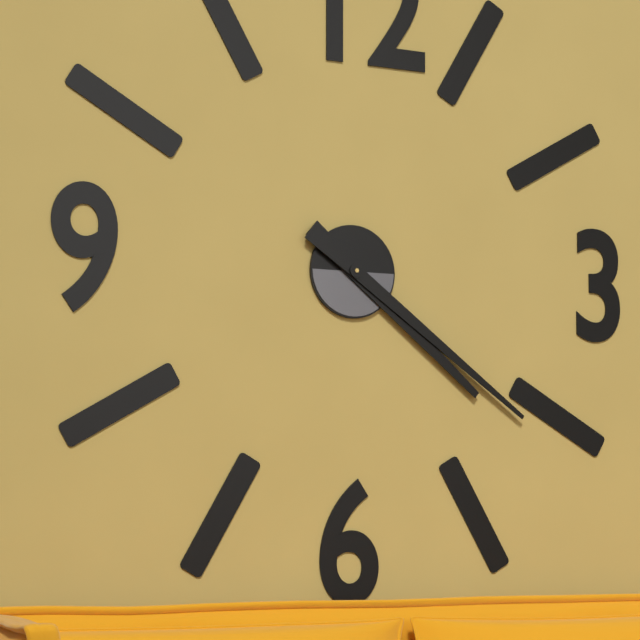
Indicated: **4:21**
